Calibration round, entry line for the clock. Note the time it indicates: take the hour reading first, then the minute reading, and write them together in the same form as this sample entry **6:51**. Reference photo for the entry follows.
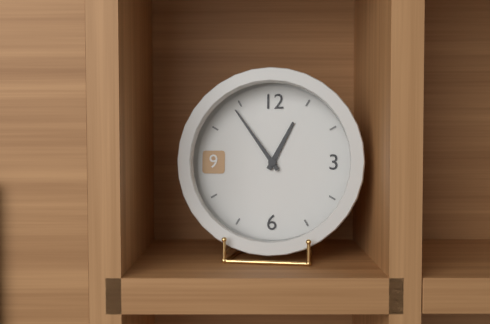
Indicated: **12:54**
